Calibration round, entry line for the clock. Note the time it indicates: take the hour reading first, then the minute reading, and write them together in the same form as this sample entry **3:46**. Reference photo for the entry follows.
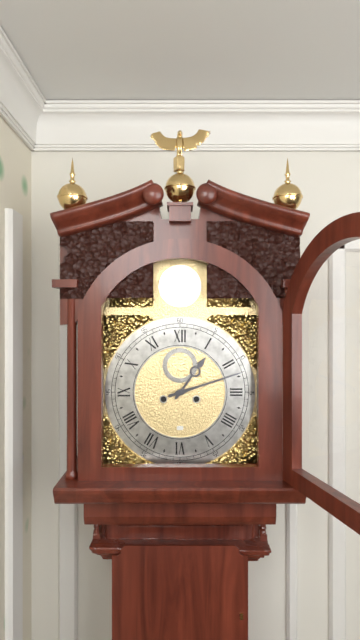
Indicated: **1:12**
